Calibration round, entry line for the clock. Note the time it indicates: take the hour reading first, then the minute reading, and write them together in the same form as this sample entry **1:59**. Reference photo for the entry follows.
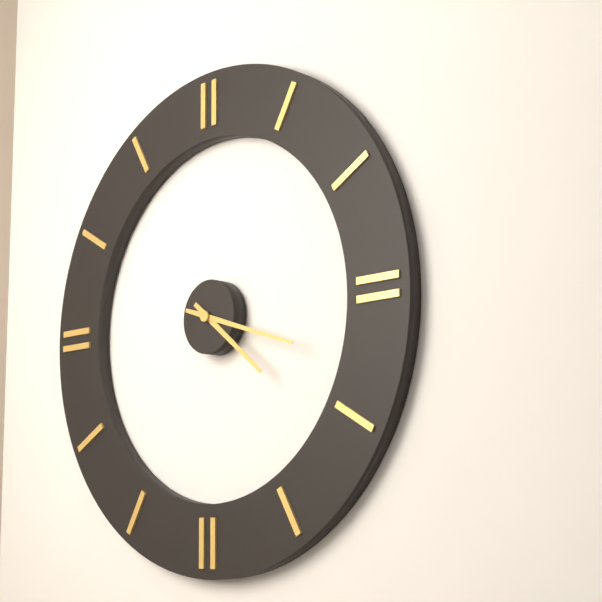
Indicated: **4:18**
